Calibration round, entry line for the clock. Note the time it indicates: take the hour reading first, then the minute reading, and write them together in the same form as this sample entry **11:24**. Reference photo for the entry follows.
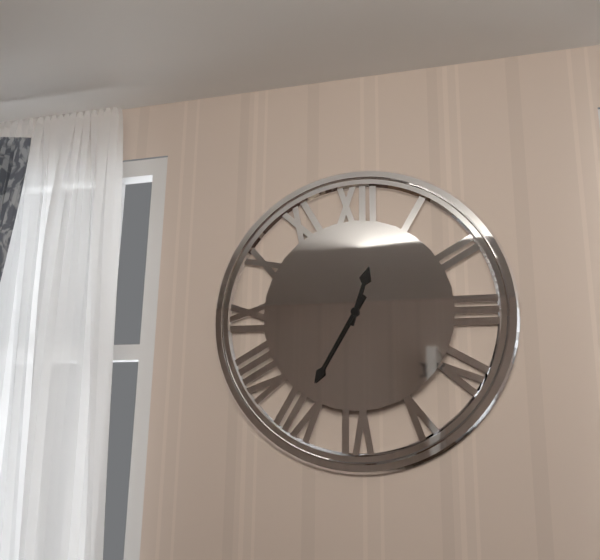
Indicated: **12:35**
